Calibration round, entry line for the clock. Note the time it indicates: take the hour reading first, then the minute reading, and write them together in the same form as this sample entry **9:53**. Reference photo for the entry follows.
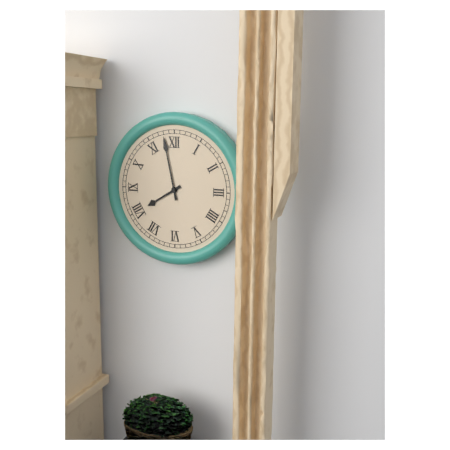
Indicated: **7:58**
